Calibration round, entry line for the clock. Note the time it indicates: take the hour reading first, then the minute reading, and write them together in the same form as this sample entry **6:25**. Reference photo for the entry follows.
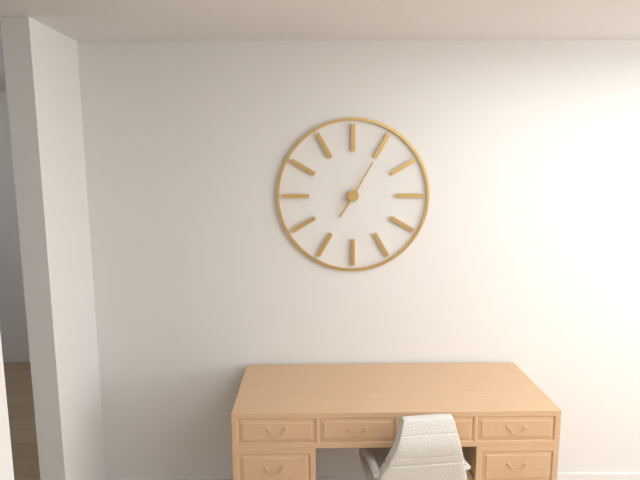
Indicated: **7:05**
